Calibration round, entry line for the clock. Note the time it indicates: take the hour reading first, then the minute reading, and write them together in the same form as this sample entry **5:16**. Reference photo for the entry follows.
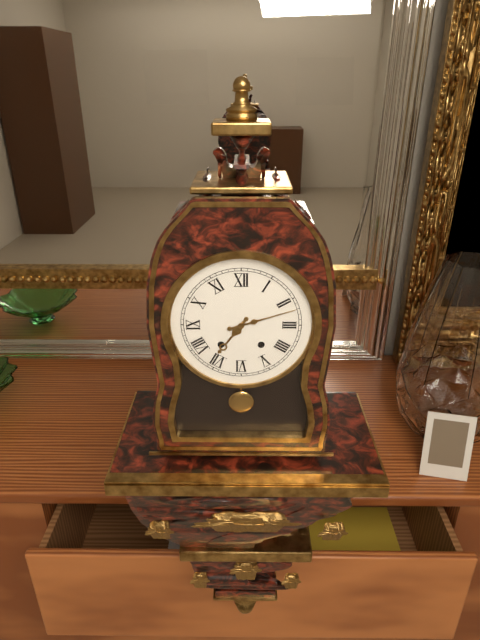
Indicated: **7:12**
